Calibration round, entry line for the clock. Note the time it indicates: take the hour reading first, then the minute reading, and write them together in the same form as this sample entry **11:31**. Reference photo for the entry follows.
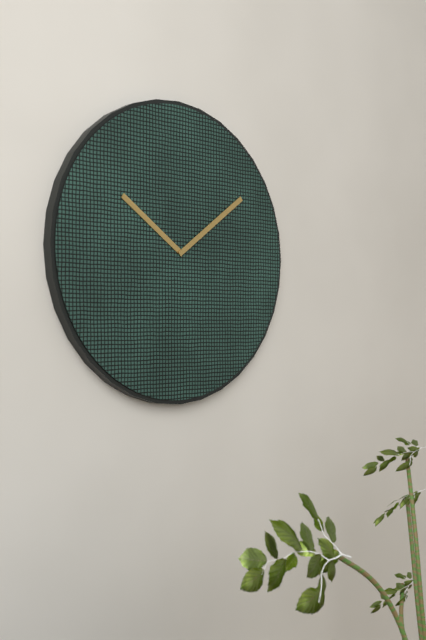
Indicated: **10:09**
